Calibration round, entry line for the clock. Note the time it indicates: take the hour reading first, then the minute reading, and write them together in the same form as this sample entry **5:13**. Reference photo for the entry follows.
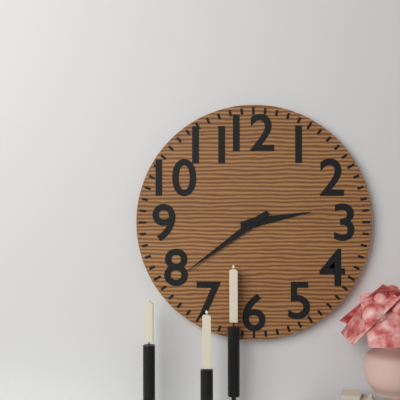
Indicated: **2:39**
